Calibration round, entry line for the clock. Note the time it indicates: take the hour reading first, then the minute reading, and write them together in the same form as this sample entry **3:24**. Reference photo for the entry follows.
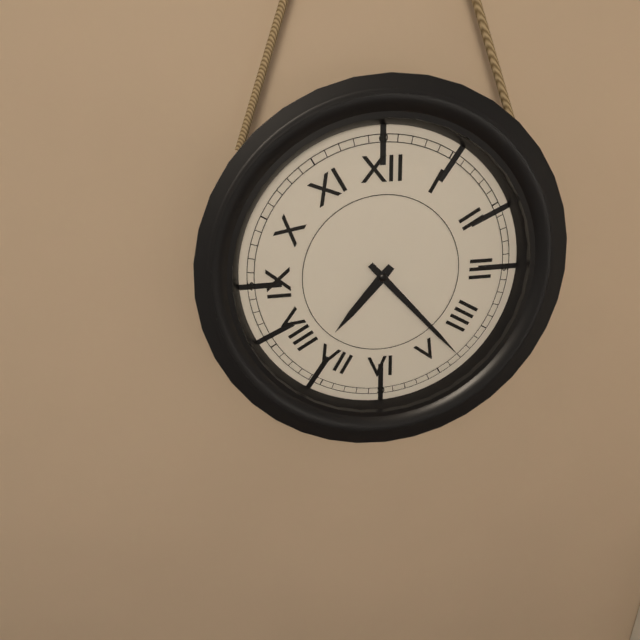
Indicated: **7:23**
